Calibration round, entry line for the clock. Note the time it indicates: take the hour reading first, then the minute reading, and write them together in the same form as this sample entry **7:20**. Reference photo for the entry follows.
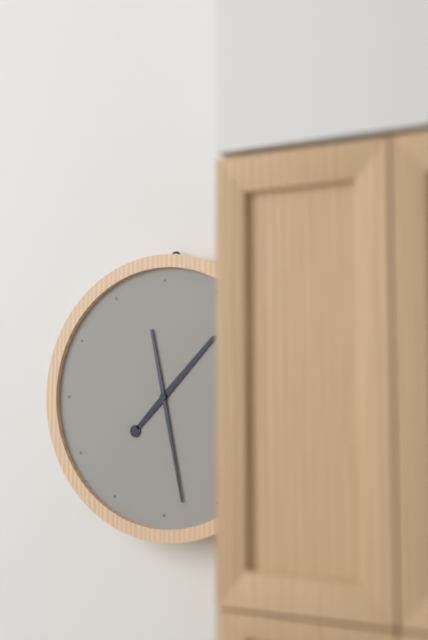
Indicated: **1:28**
